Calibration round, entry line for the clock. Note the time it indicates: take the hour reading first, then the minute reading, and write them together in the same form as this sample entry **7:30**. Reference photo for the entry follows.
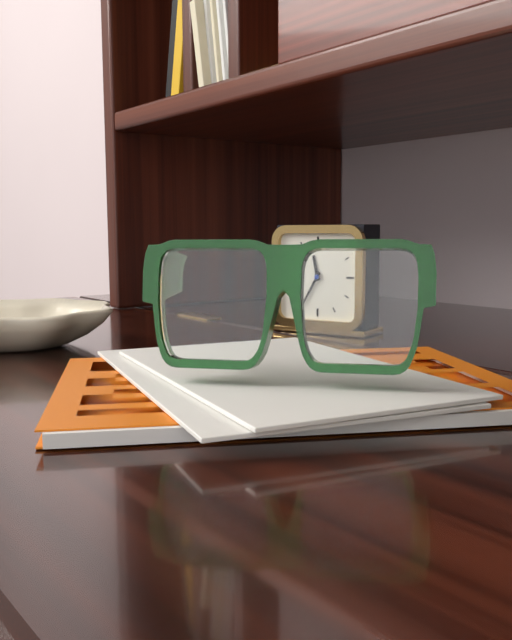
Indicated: **11:35**
